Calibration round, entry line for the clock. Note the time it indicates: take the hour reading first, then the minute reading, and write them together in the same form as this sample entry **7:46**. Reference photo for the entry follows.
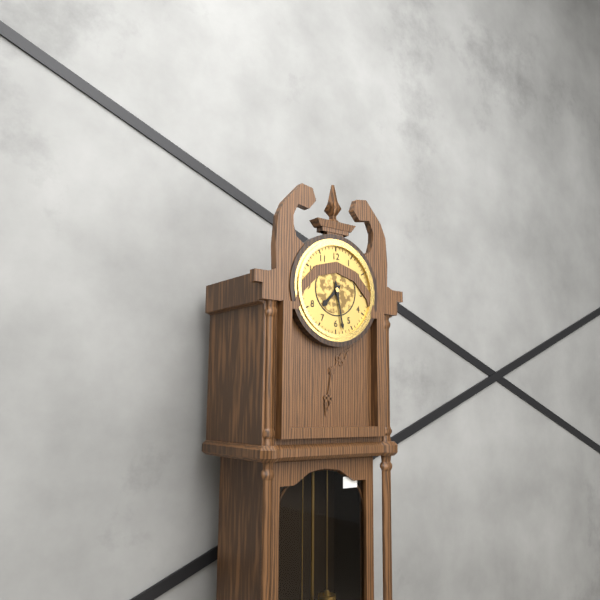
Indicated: **7:28**
